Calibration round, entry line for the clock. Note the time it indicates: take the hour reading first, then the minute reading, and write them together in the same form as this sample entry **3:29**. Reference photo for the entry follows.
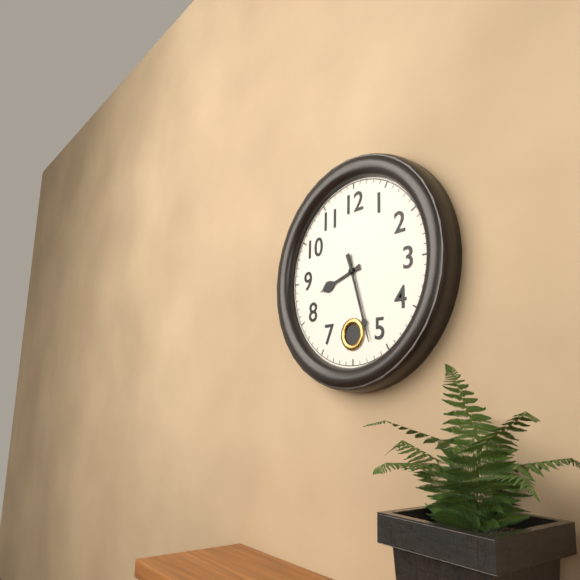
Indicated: **8:27**
